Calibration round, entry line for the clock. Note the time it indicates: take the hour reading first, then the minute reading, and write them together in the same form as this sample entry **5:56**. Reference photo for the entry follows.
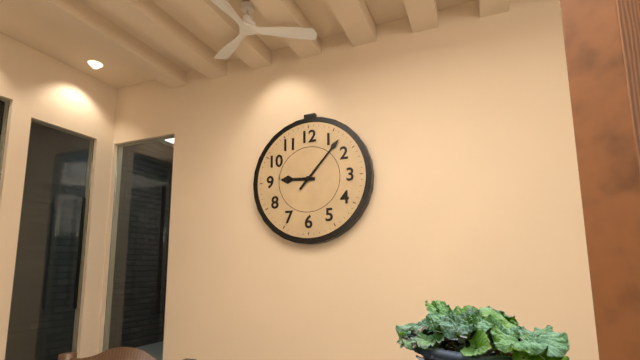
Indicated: **9:07**
